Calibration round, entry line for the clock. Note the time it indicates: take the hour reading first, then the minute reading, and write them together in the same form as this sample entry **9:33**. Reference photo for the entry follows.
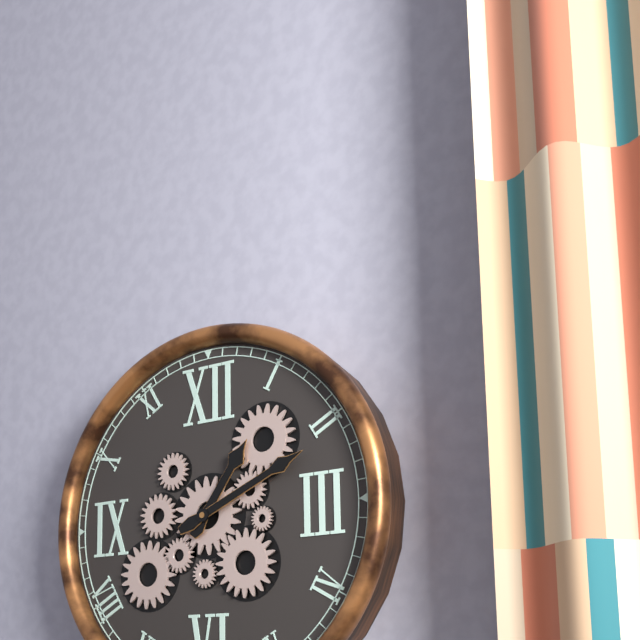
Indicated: **1:11**
